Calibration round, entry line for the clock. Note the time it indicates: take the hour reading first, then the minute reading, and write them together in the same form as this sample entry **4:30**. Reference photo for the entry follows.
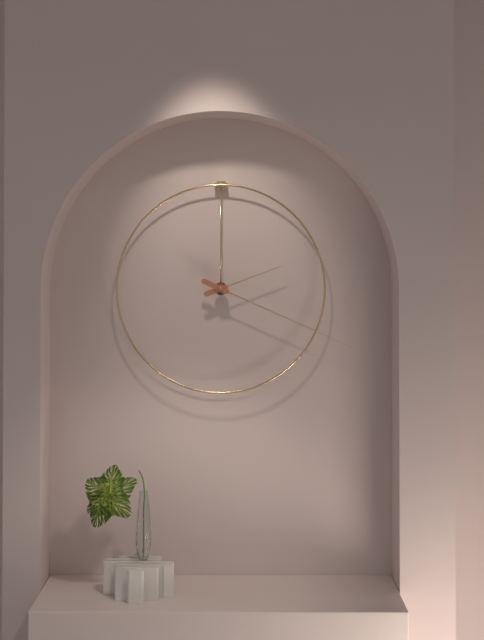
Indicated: **2:19**
